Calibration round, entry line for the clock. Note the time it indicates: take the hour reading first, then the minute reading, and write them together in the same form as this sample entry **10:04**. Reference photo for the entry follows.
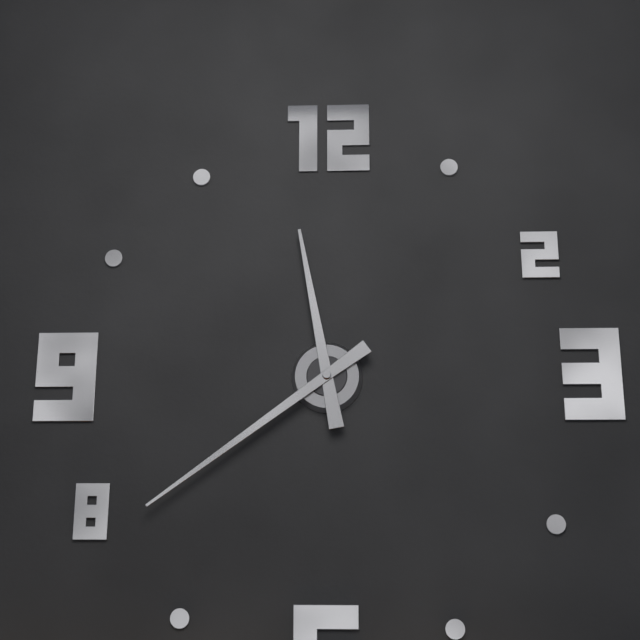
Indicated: **11:39**
